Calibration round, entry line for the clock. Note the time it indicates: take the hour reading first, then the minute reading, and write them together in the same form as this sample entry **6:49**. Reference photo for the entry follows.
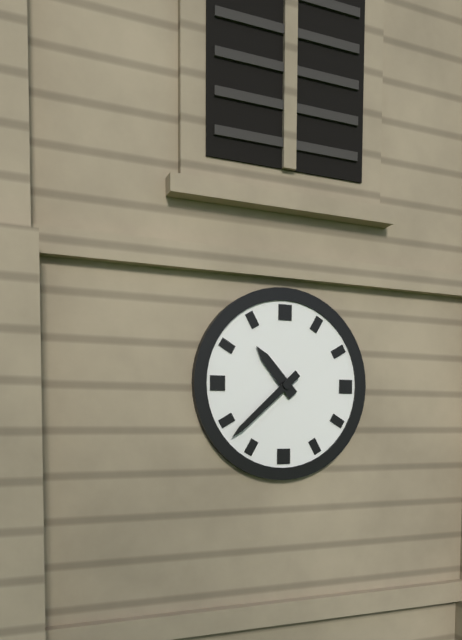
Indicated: **10:38**
